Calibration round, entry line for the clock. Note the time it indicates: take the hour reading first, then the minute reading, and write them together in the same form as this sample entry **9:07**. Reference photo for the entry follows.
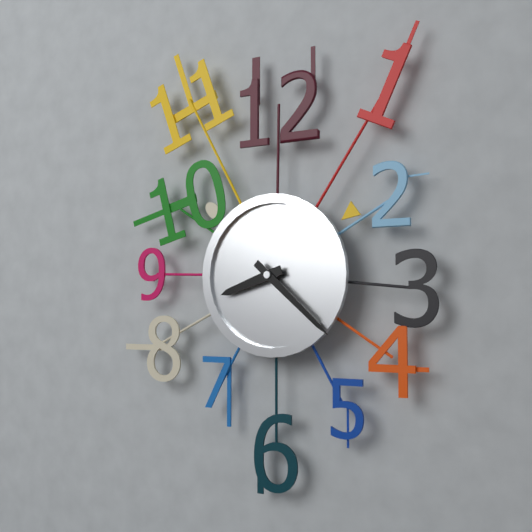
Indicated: **8:22**
